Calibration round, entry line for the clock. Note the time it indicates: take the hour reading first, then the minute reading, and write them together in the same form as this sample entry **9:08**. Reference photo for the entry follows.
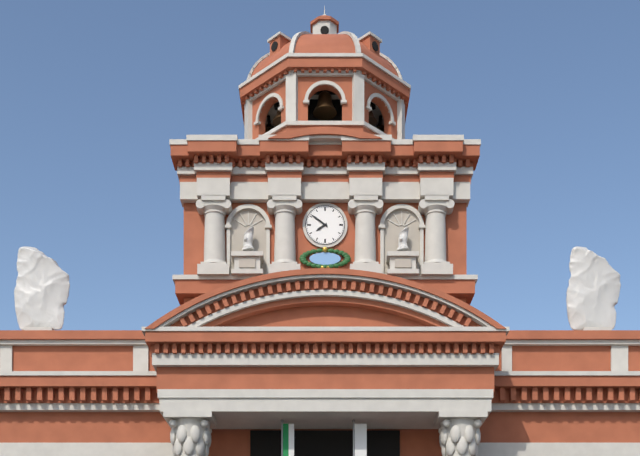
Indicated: **7:51**
